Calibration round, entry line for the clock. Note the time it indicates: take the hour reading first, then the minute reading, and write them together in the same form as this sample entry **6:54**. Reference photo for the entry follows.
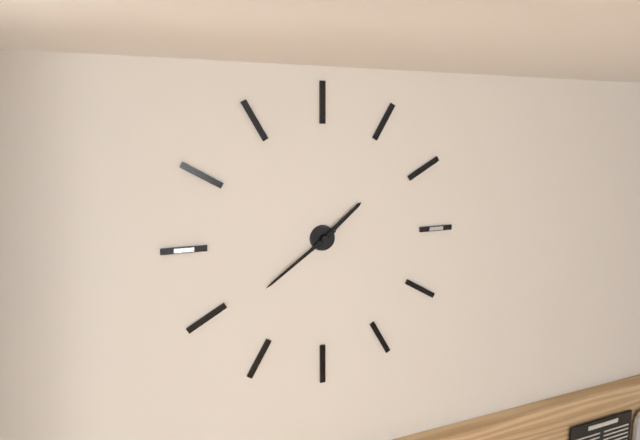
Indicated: **1:39**
